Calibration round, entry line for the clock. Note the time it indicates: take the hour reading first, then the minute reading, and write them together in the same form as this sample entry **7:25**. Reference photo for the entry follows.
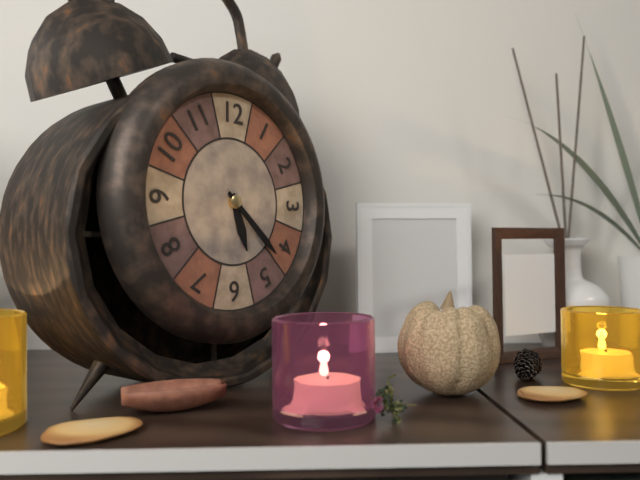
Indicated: **5:22**
